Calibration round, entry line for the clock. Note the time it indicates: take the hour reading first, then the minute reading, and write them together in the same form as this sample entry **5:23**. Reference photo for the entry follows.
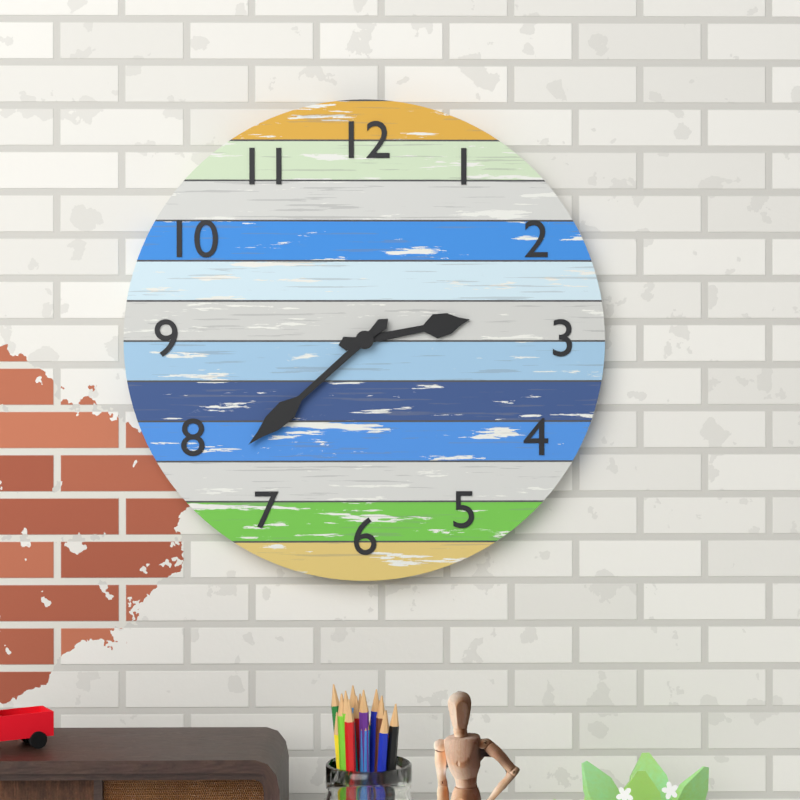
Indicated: **2:38**
